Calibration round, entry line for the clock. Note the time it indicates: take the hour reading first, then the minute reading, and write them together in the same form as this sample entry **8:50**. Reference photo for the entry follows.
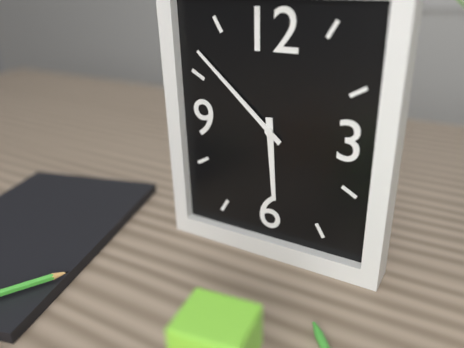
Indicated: **5:52**
